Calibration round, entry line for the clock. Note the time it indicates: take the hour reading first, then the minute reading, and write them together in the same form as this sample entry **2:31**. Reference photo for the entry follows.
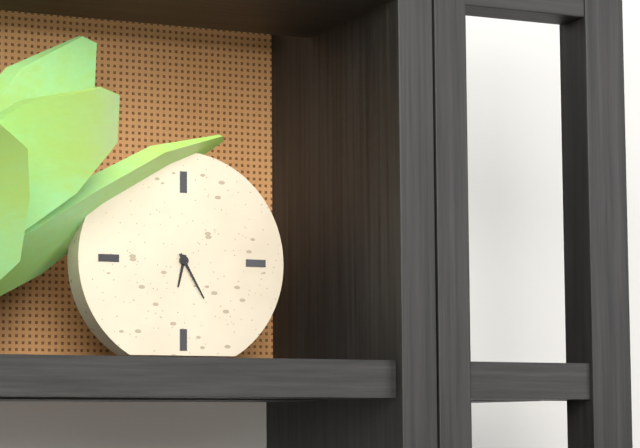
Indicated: **6:25**
